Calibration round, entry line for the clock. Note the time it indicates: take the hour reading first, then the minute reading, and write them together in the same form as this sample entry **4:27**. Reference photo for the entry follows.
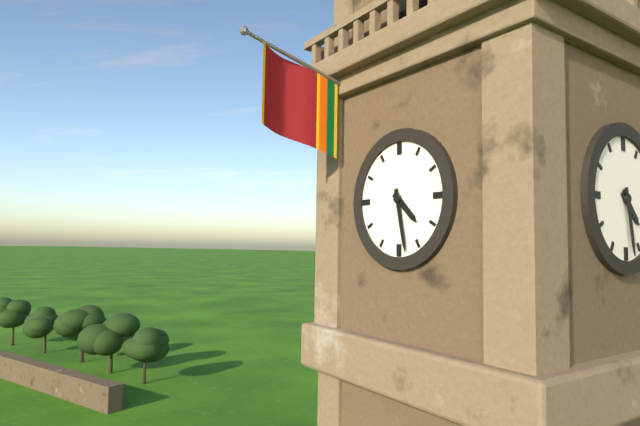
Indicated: **4:28**
